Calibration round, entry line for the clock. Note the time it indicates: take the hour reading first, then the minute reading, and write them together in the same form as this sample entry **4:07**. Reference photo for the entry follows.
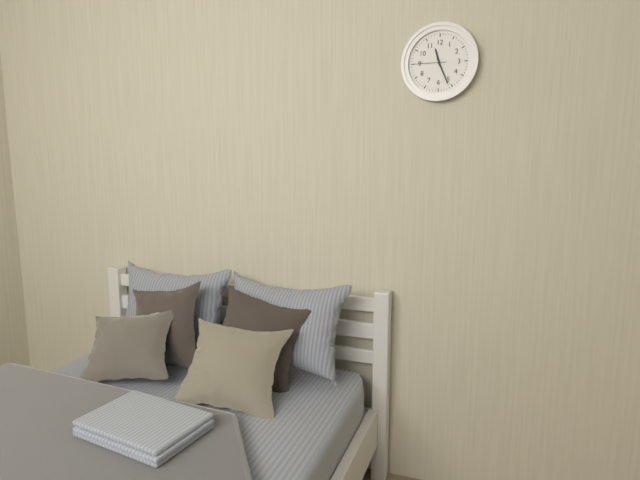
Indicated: **11:26**
